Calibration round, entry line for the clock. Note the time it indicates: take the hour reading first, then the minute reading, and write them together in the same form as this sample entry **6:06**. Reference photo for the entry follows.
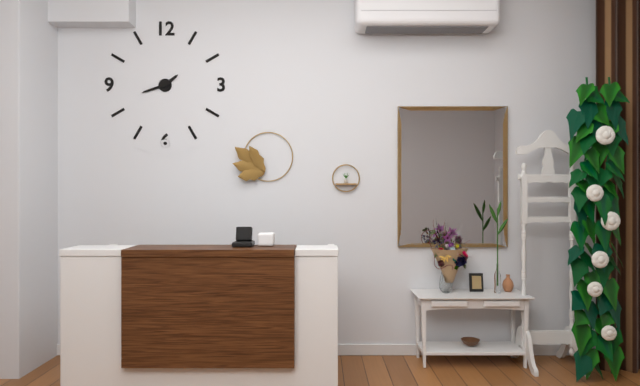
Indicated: **1:42**
